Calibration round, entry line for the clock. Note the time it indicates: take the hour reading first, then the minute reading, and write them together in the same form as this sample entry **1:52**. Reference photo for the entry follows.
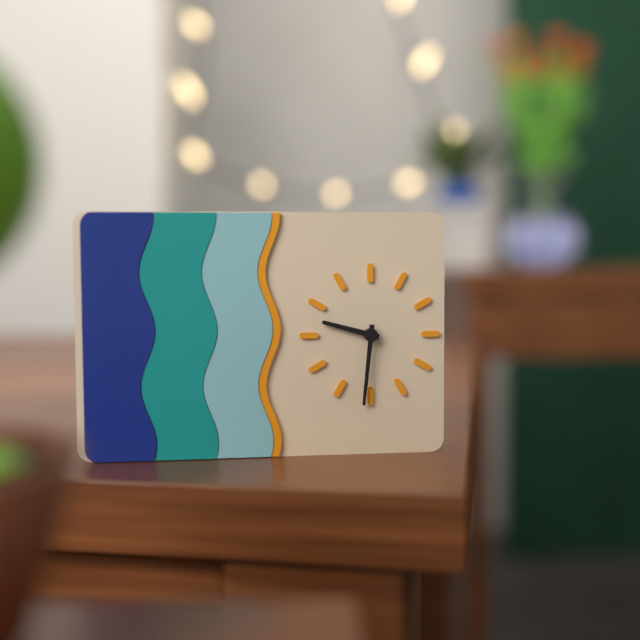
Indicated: **9:31**
